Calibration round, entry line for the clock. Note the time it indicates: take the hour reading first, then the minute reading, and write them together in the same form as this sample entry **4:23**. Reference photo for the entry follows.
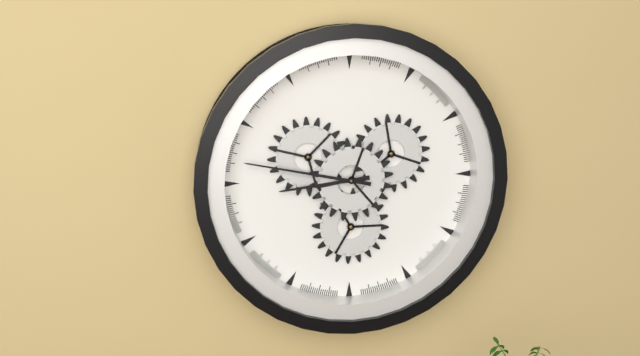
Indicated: **8:47**
